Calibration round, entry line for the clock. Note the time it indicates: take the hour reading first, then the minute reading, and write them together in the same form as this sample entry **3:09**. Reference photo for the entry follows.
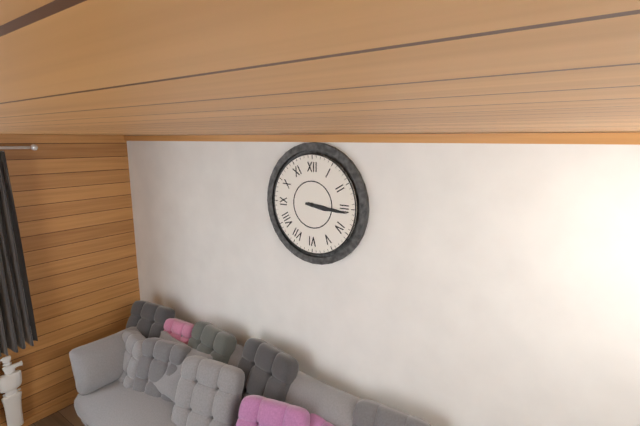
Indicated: **3:16**
